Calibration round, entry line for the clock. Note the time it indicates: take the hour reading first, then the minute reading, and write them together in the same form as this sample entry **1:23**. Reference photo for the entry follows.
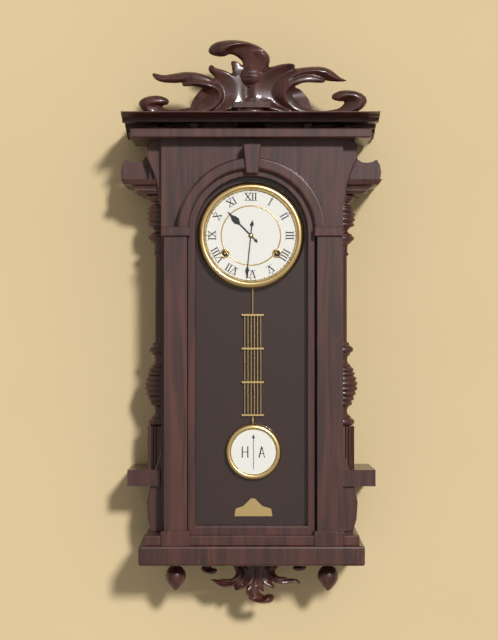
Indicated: **10:31**
